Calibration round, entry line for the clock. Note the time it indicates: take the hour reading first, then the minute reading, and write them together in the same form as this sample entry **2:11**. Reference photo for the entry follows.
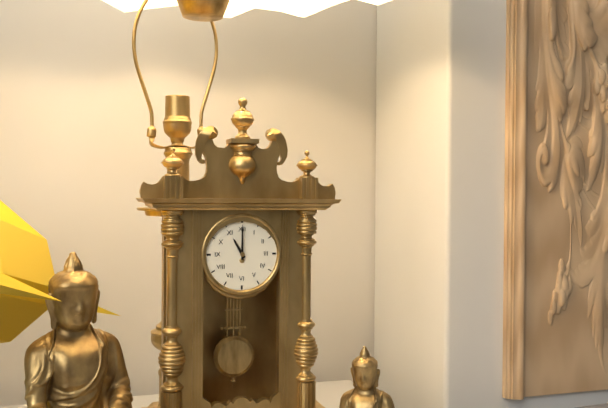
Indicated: **11:00**
